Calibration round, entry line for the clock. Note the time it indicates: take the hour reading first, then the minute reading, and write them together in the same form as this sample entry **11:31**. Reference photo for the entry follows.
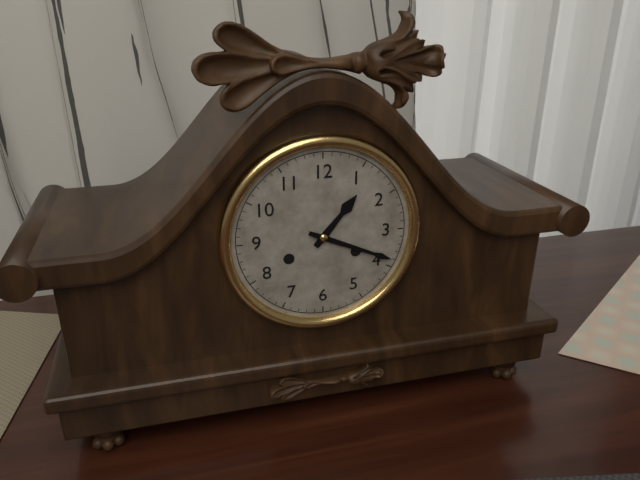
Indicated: **1:19**
